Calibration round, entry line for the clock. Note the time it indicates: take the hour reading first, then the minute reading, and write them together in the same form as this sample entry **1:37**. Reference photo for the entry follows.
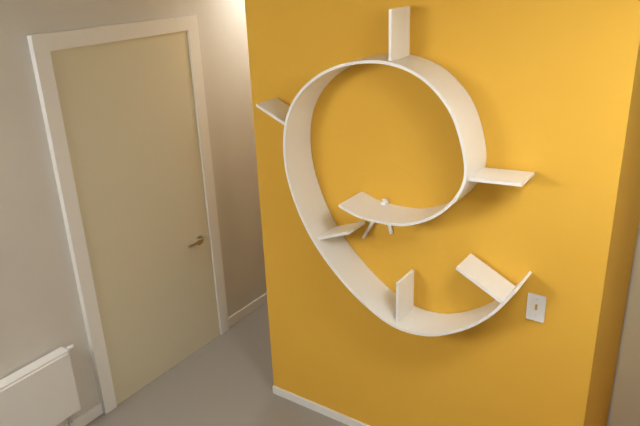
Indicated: **5:35**
